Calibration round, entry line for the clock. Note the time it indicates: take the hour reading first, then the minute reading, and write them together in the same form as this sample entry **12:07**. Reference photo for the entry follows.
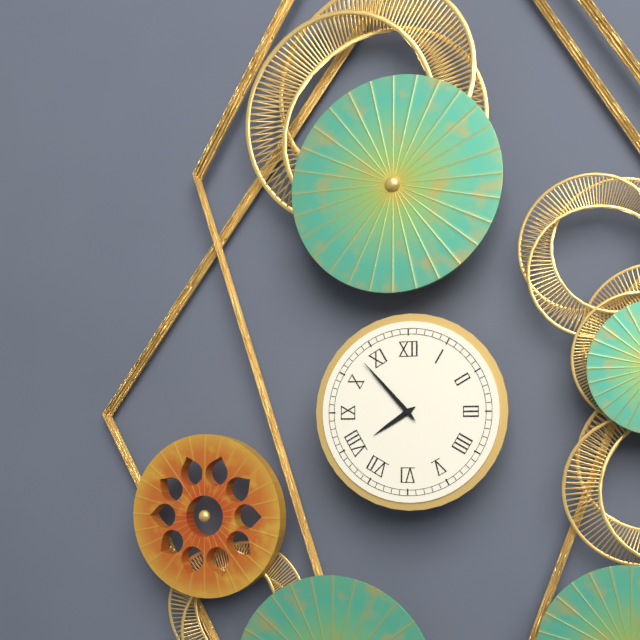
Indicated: **7:53**
